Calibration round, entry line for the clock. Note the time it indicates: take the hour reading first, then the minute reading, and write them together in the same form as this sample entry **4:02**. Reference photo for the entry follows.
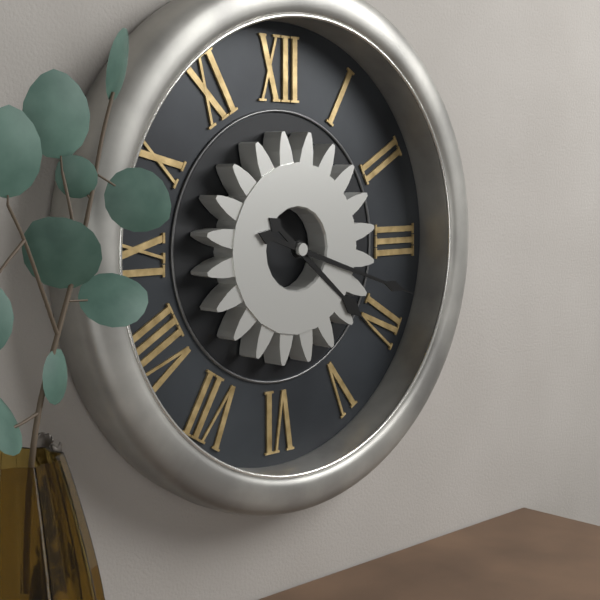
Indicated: **4:18**
